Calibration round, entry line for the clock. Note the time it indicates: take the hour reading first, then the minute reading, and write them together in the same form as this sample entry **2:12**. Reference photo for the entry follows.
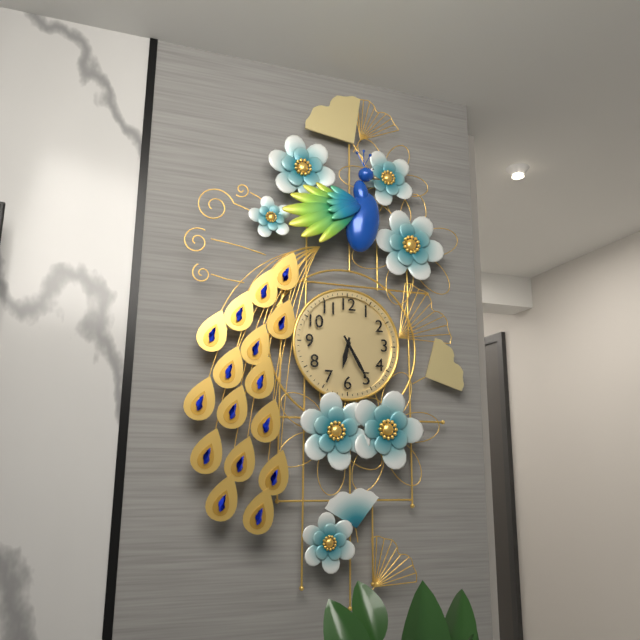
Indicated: **6:25**
